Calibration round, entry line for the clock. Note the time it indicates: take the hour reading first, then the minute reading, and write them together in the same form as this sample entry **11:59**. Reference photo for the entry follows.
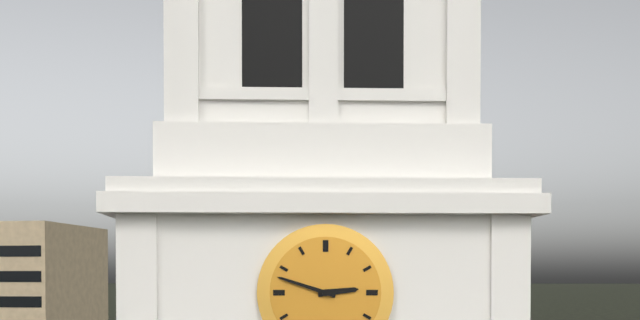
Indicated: **2:48**
